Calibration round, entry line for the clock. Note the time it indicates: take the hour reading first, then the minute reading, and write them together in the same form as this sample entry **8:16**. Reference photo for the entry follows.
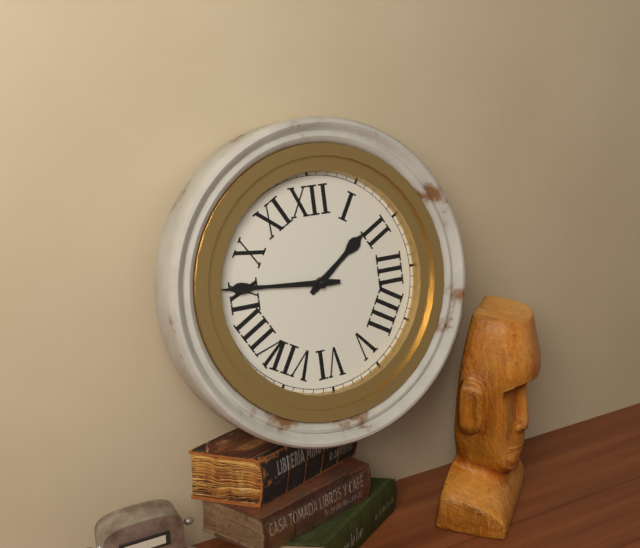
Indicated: **1:46**
